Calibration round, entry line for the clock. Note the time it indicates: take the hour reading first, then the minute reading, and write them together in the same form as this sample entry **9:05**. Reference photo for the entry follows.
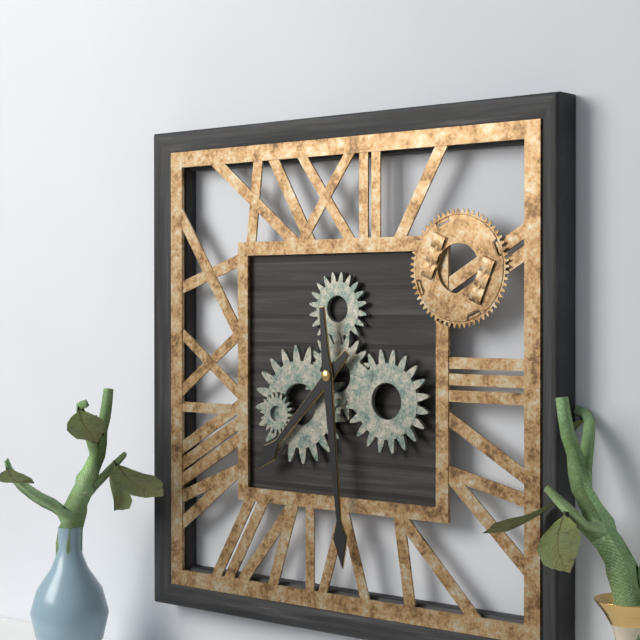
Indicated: **7:29**
